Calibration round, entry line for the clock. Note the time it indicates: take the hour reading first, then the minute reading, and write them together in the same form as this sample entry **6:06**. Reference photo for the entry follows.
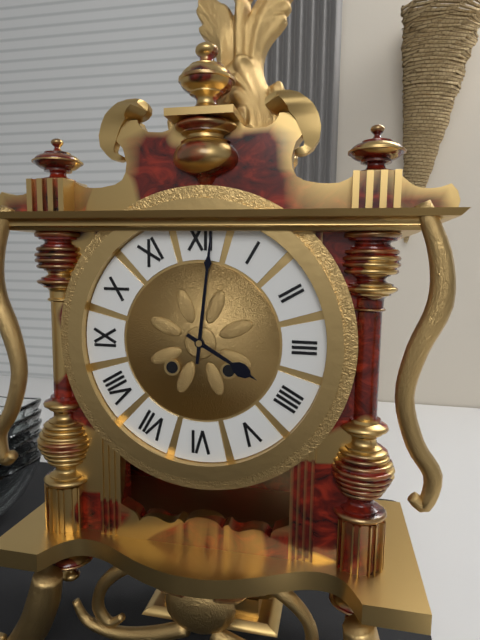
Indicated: **4:01**
